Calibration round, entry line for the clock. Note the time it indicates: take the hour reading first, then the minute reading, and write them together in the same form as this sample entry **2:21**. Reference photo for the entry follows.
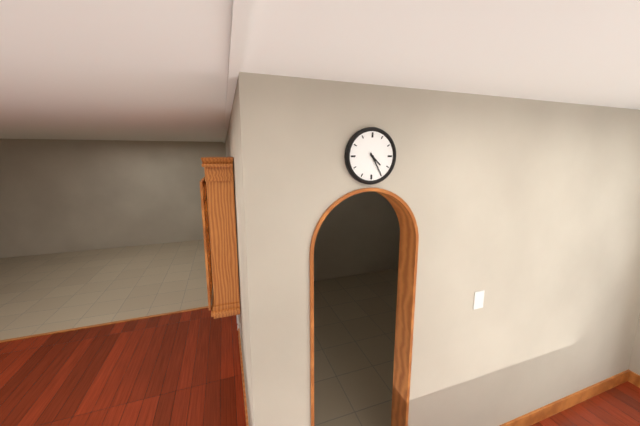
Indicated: **4:25**
